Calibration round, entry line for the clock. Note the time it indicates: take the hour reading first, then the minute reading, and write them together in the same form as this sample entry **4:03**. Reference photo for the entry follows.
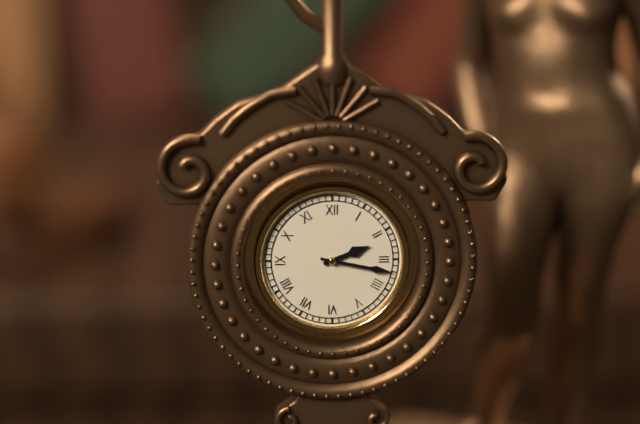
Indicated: **2:17**
